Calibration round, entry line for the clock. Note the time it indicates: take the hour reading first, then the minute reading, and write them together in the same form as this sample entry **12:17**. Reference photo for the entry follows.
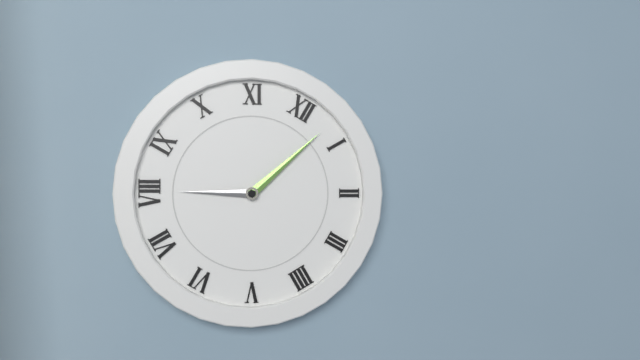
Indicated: **8:03**
